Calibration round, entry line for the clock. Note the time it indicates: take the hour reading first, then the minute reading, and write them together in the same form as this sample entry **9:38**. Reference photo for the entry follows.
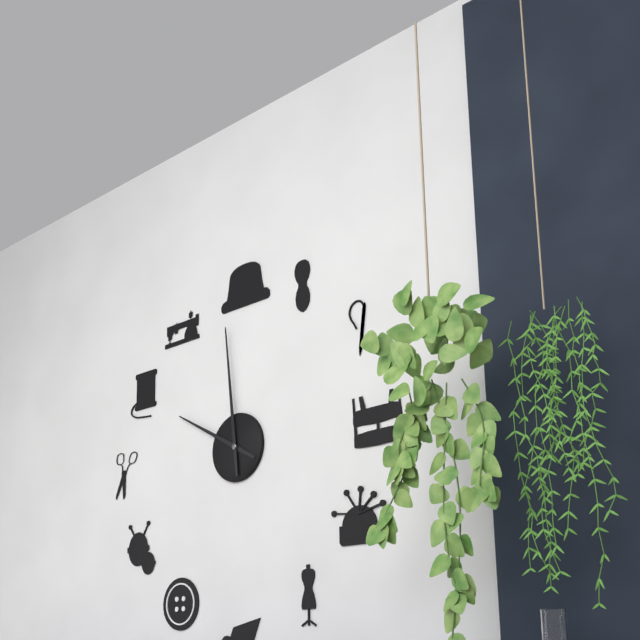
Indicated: **9:59**
